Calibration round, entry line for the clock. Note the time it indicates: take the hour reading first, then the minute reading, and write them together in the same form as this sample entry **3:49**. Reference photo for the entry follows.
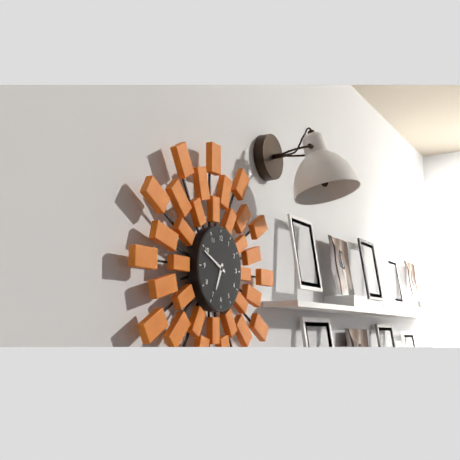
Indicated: **6:49**
